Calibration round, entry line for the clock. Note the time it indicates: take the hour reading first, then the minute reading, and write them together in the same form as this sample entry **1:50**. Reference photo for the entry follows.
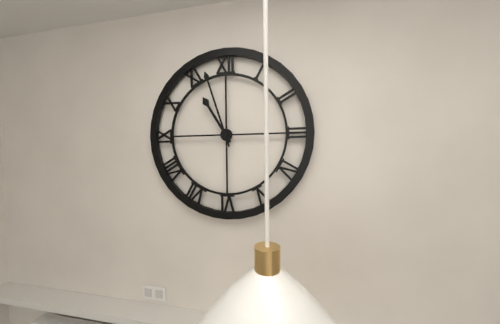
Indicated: **10:57**
